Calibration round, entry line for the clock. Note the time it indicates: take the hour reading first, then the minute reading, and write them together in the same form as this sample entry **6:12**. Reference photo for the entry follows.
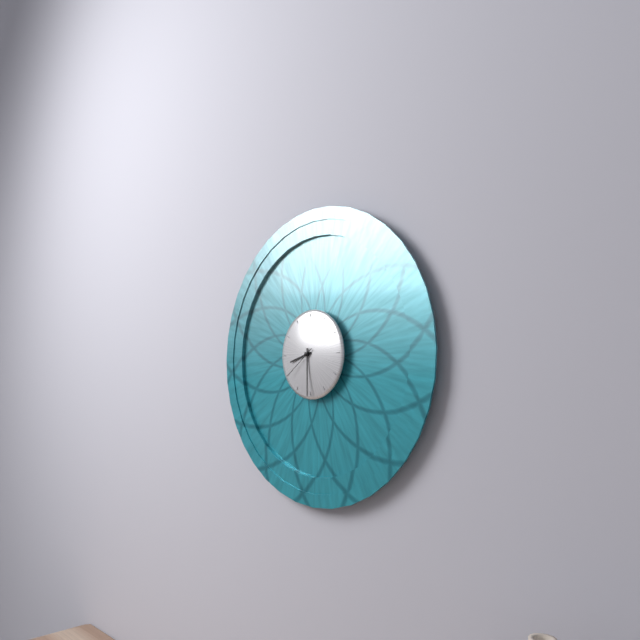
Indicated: **8:30**
